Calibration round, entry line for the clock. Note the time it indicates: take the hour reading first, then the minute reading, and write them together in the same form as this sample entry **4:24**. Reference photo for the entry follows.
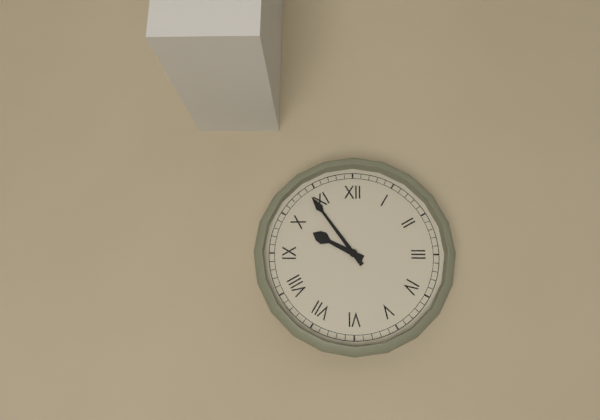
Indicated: **9:54**
